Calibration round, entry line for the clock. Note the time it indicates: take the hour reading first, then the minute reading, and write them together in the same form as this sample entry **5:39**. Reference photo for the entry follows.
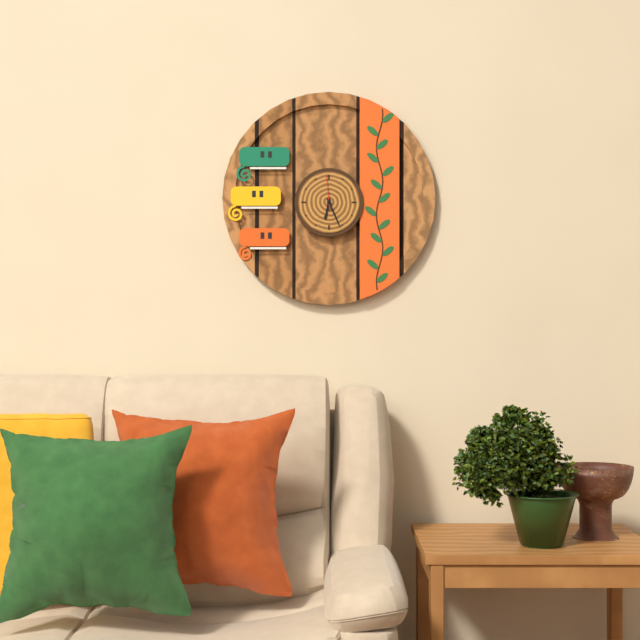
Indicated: **6:26**
